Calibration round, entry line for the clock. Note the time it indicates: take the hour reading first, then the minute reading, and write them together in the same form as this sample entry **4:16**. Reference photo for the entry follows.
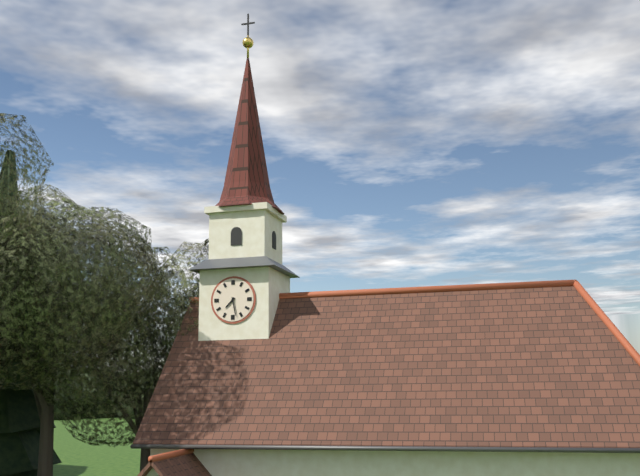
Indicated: **7:28**
